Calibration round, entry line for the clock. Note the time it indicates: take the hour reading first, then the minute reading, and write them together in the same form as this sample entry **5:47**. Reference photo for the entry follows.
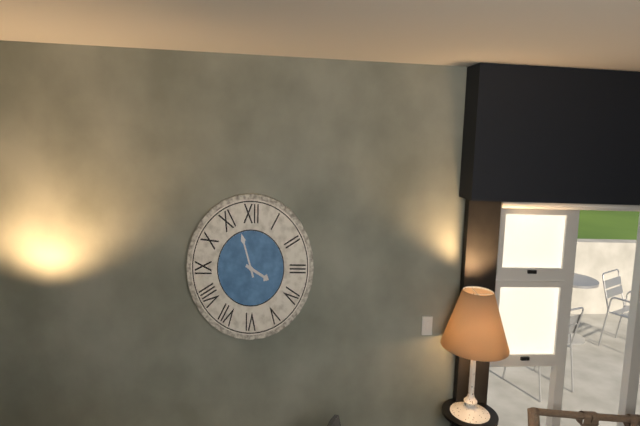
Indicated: **3:57**
